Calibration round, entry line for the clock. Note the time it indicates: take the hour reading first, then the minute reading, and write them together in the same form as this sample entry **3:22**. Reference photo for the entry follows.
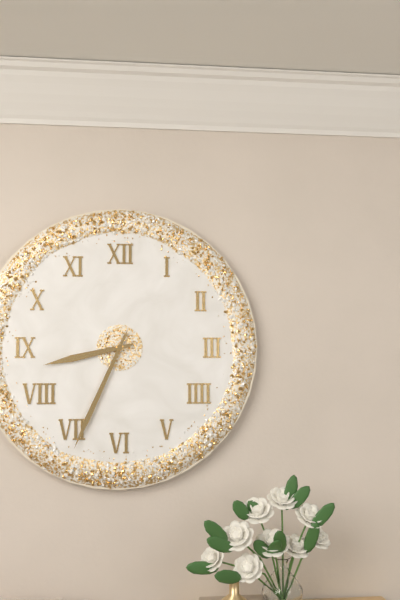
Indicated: **8:34**
